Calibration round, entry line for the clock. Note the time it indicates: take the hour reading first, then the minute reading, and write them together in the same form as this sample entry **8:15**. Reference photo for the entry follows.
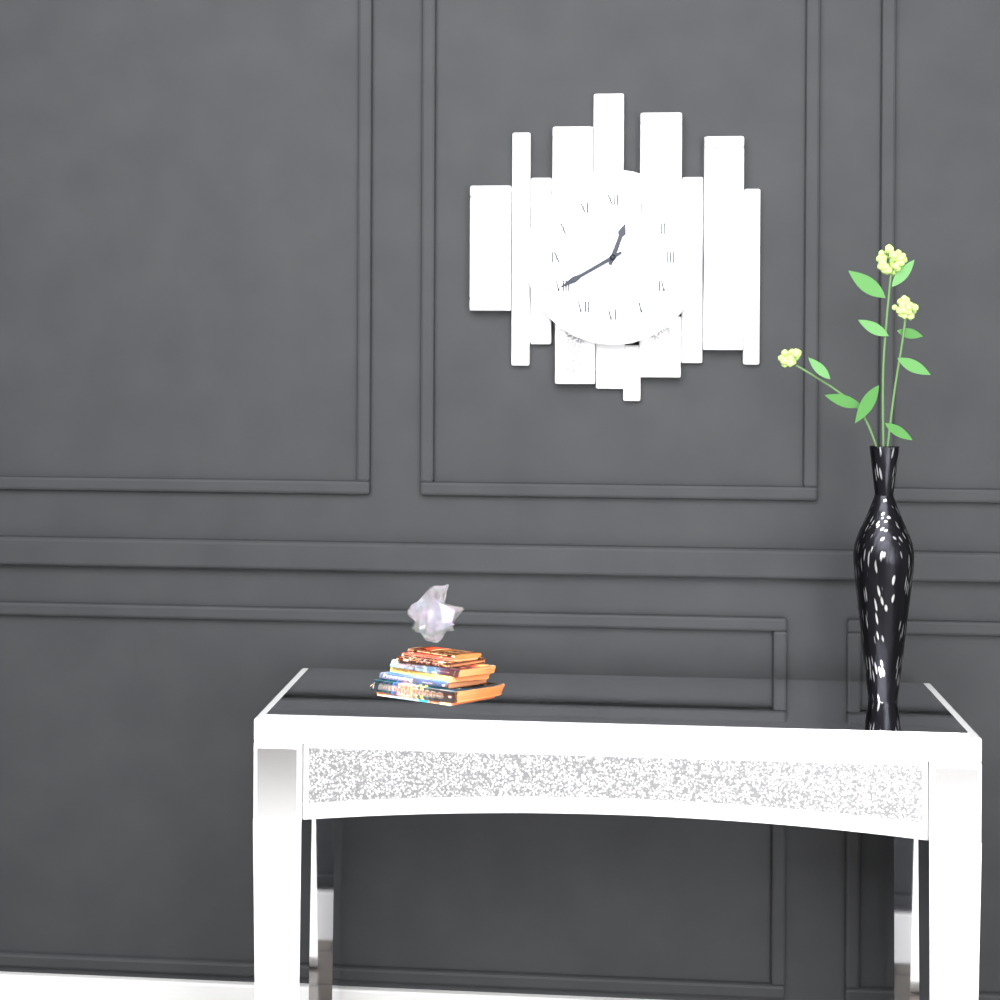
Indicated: **12:40**
